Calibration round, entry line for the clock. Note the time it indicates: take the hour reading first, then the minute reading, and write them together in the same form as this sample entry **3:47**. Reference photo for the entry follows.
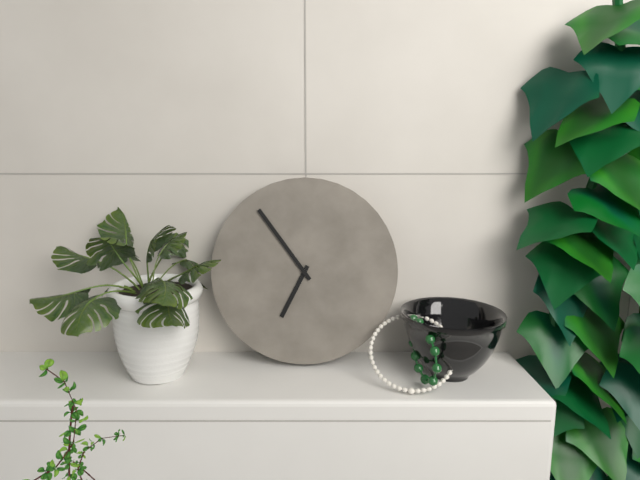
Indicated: **6:54**
